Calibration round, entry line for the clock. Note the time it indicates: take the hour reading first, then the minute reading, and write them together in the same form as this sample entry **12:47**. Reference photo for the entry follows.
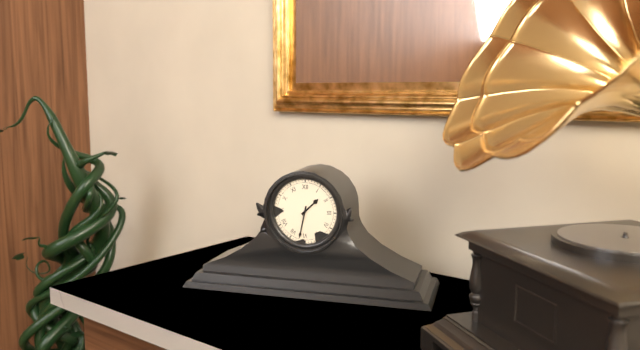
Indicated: **1:32**
